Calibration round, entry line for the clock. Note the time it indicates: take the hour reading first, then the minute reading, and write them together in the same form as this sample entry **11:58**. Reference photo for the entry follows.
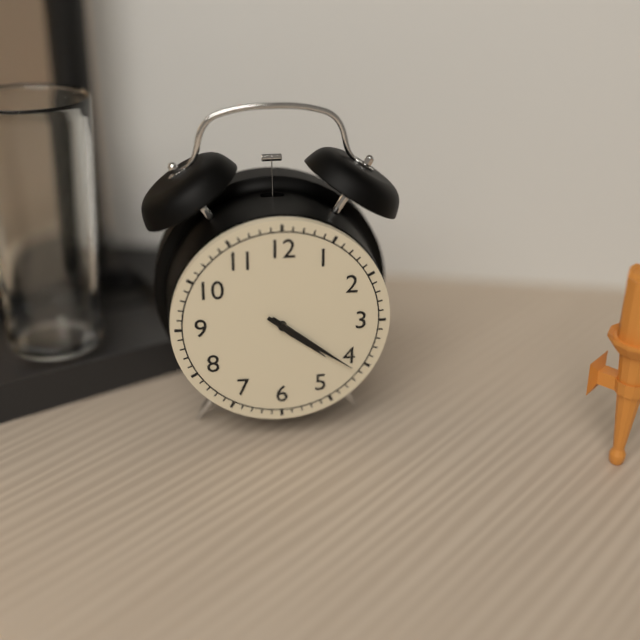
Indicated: **4:21**
